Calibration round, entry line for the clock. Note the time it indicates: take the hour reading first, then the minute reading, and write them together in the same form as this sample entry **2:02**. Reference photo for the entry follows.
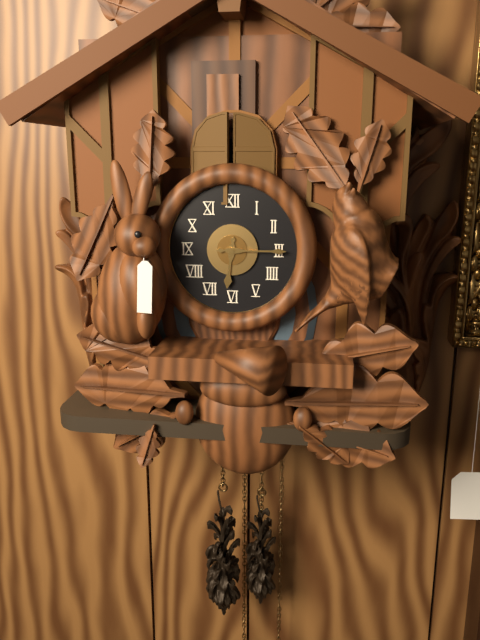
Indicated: **6:15**
